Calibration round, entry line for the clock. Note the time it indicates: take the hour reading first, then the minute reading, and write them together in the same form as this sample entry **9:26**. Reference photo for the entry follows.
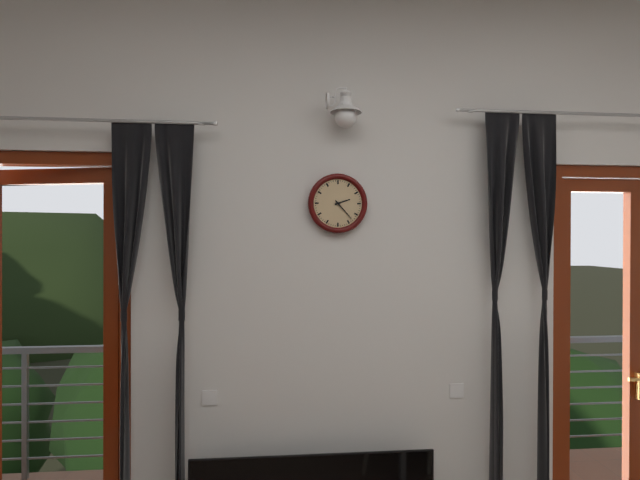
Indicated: **2:23**
